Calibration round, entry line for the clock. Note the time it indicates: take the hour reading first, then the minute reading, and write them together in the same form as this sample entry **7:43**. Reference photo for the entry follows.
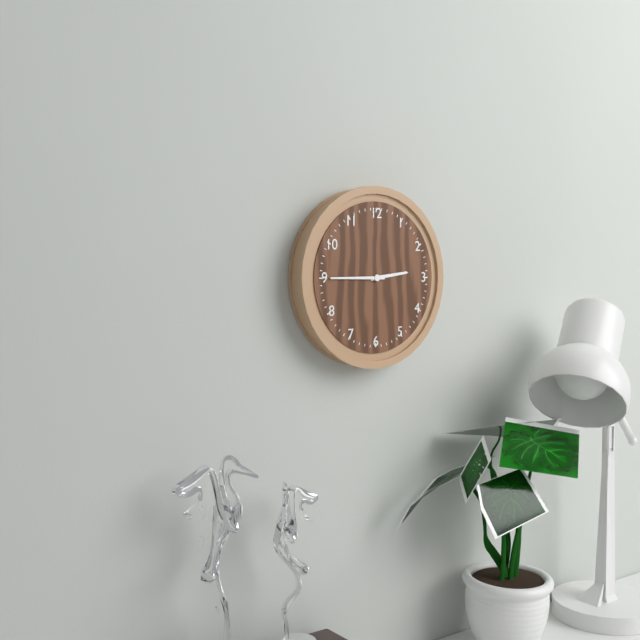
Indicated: **2:45**
